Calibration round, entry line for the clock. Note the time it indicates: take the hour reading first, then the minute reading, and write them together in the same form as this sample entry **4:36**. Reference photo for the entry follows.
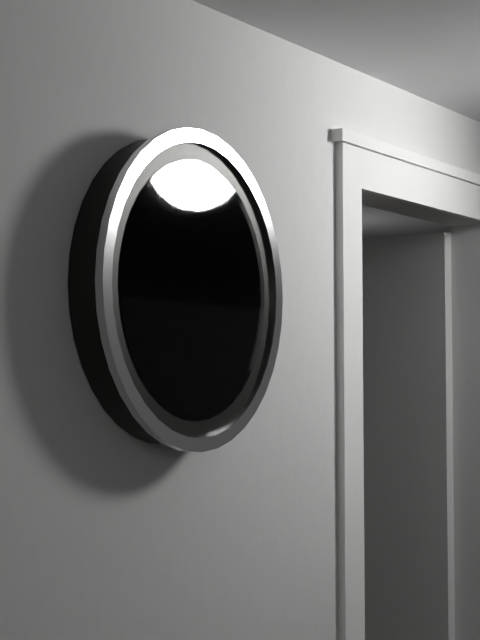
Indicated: **11:24**
